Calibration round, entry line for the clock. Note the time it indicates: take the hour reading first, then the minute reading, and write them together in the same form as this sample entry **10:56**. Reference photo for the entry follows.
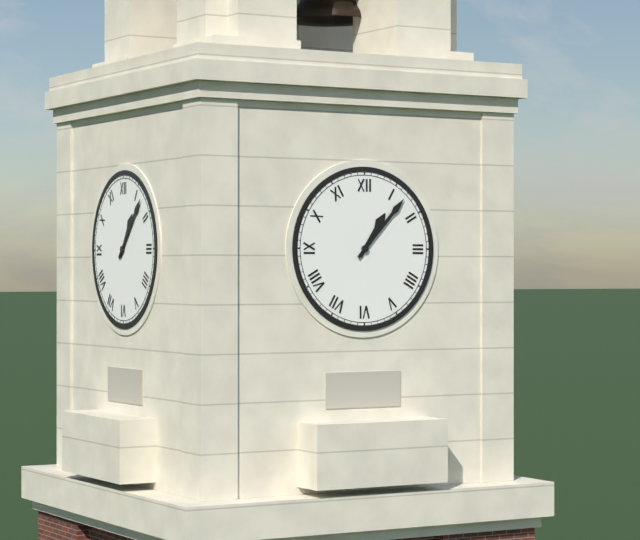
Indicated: **1:07**
